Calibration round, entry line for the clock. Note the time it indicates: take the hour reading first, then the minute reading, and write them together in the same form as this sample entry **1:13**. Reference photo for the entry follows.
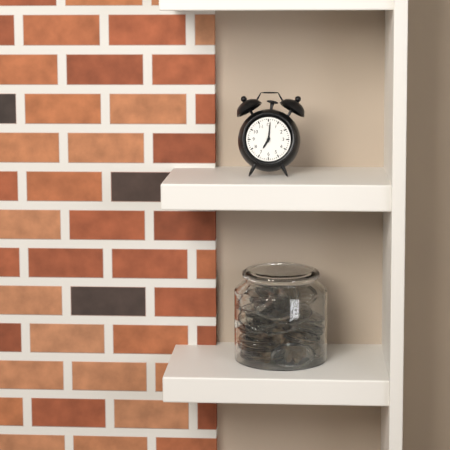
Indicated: **7:01**
